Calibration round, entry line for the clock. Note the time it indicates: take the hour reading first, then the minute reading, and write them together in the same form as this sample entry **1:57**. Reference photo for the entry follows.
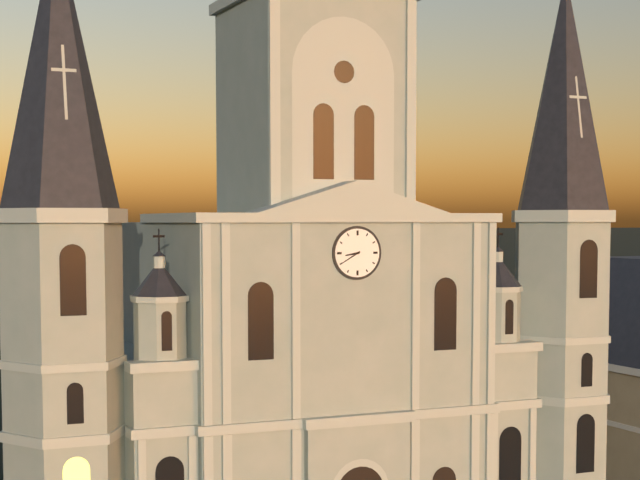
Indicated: **8:40**
